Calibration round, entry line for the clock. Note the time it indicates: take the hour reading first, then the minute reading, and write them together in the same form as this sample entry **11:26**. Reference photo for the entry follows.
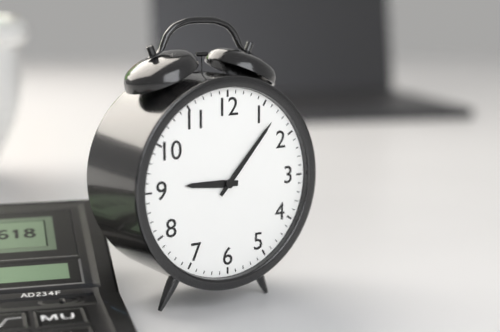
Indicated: **9:07**
